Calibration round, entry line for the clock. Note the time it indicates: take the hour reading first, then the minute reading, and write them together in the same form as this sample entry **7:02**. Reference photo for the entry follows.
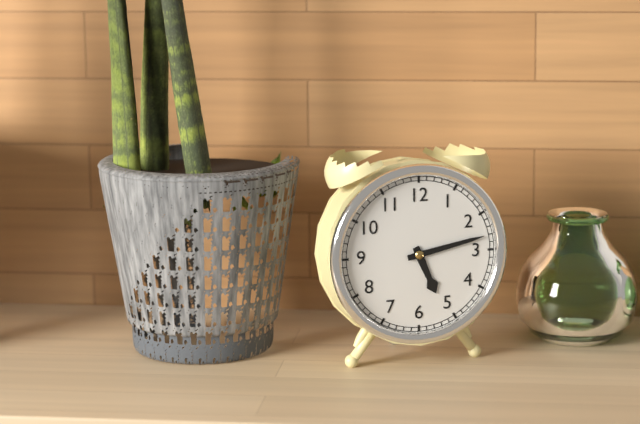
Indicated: **5:13**
